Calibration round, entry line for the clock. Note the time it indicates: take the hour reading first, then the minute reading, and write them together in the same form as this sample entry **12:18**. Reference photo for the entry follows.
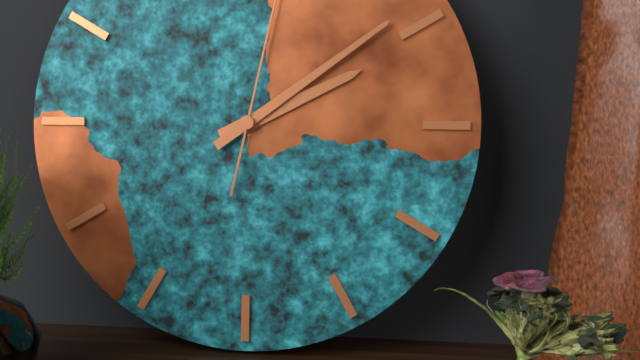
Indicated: **2:09**
